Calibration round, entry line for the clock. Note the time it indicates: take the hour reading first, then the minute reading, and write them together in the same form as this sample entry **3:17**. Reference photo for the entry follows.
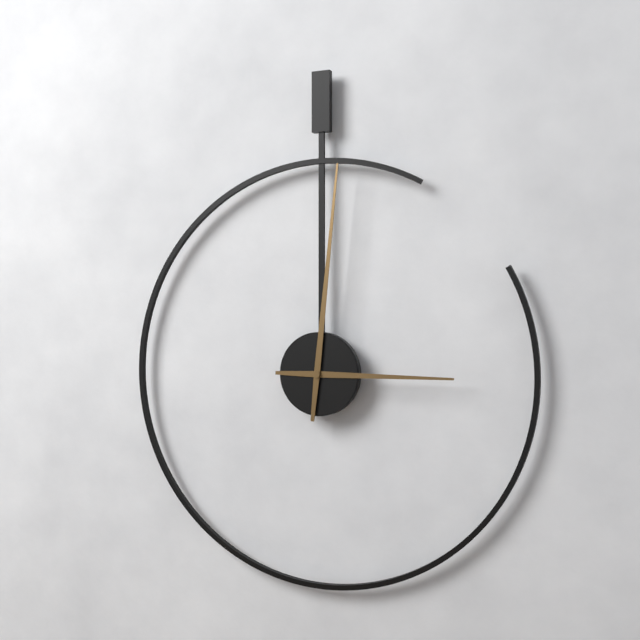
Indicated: **3:01**
